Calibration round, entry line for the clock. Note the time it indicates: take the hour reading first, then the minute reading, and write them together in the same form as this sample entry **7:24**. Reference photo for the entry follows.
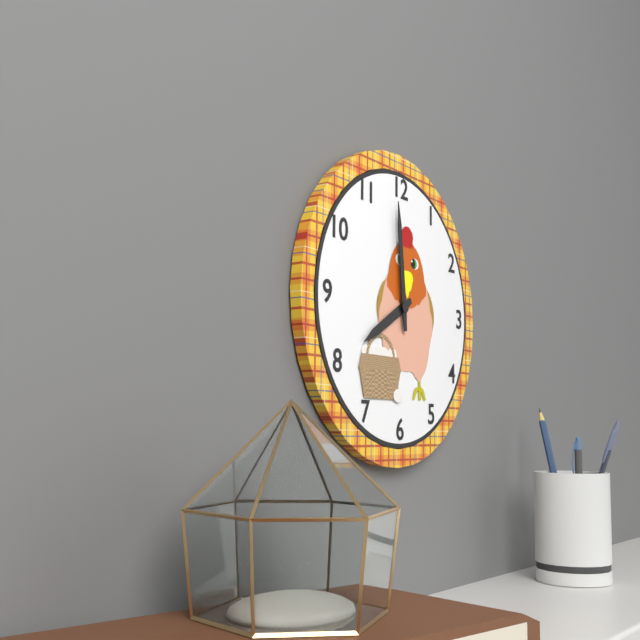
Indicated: **7:59**
